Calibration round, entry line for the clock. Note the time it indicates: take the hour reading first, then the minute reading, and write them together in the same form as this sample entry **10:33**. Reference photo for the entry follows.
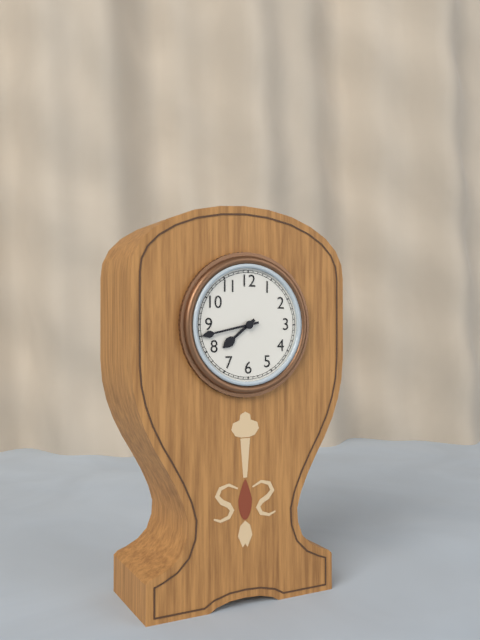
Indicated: **7:43**
